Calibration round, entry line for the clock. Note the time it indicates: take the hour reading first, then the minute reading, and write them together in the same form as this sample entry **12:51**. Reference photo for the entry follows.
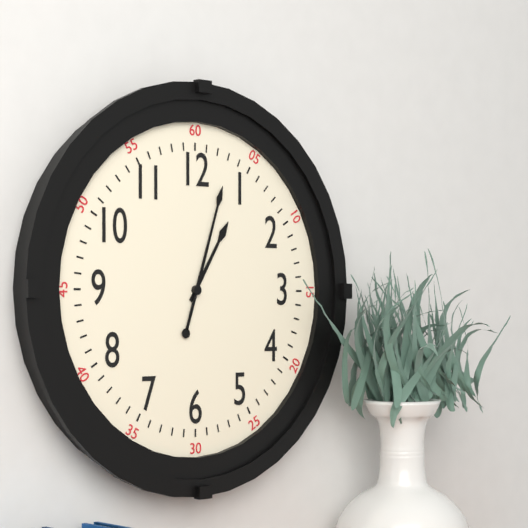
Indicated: **1:03**
